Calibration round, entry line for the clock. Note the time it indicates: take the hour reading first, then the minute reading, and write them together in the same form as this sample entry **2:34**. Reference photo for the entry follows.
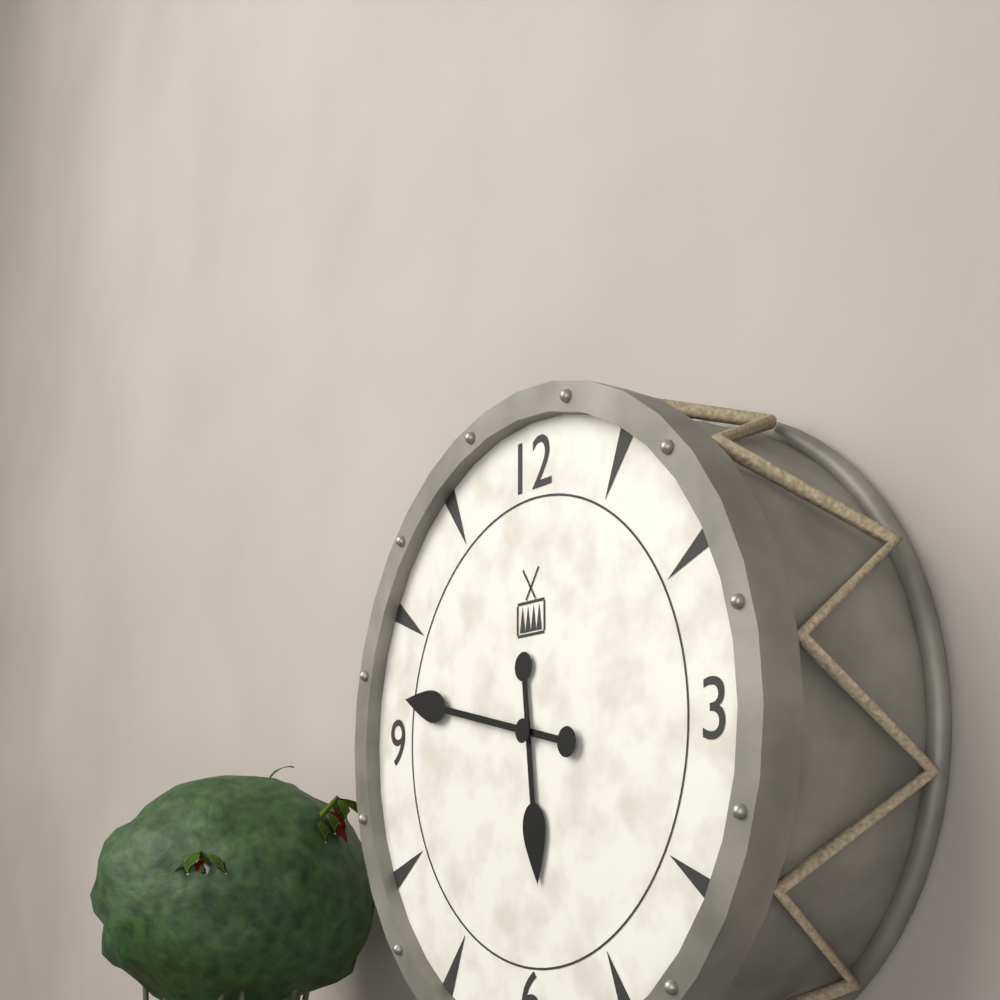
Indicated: **5:47**
